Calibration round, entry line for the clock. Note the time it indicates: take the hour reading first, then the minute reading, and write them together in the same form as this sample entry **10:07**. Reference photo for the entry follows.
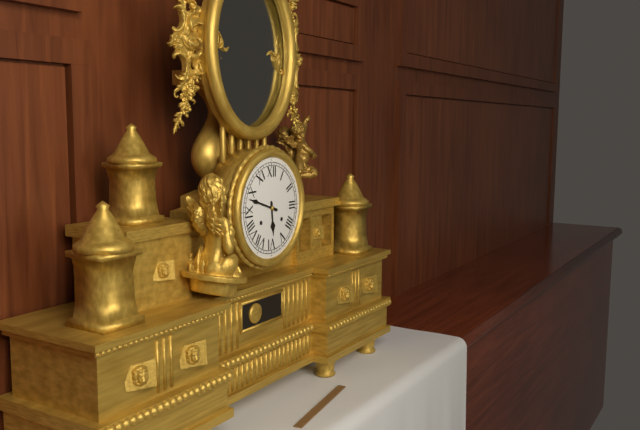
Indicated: **5:48**
